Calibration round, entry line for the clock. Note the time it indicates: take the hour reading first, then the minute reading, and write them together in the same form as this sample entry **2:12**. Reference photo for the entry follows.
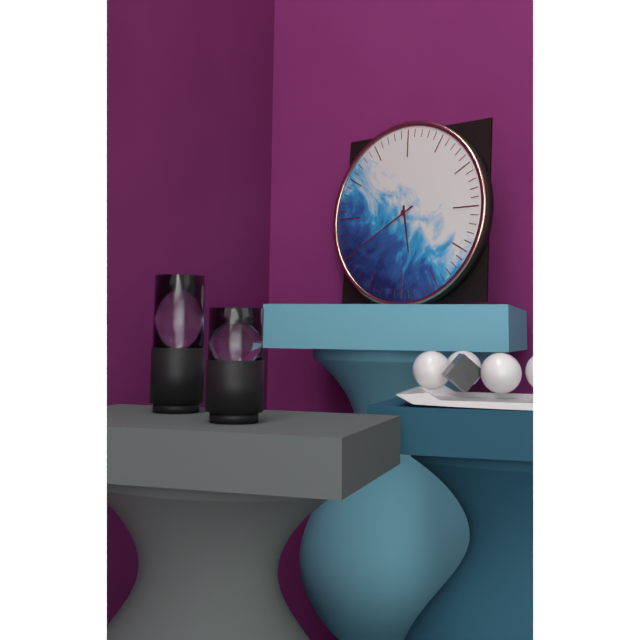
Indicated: **5:40**
